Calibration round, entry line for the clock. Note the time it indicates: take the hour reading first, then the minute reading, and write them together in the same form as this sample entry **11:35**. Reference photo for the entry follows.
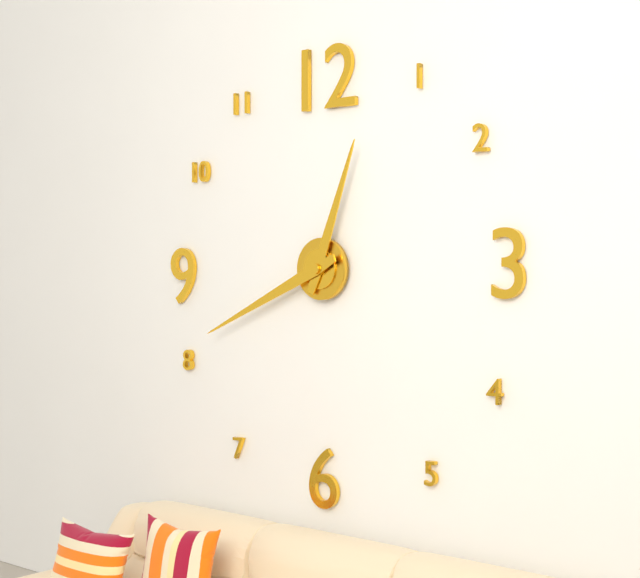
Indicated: **12:41**
